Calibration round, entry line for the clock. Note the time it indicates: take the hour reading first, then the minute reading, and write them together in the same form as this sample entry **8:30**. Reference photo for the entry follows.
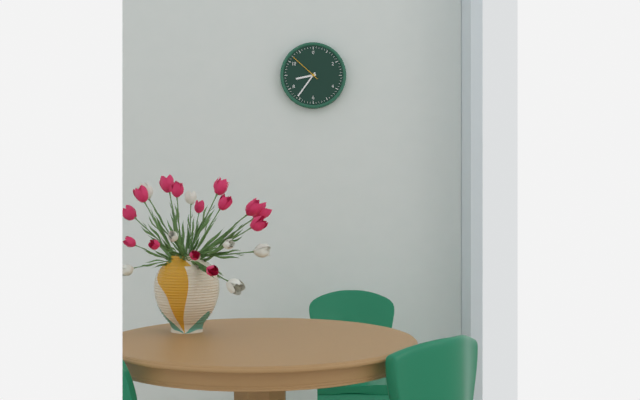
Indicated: **8:36**
